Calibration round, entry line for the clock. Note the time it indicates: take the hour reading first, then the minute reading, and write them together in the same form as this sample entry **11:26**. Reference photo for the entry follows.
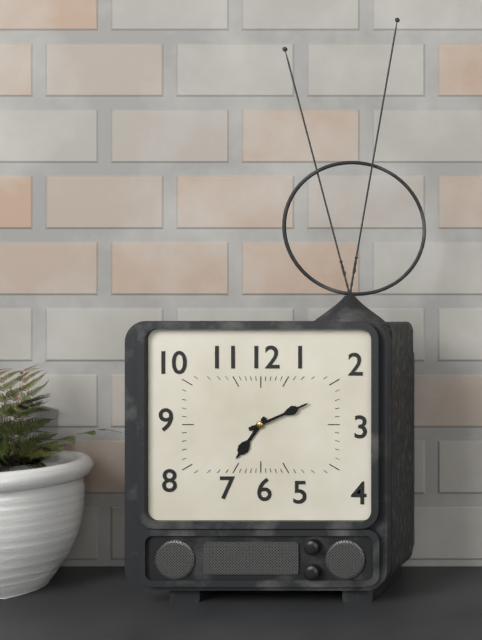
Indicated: **7:11**
